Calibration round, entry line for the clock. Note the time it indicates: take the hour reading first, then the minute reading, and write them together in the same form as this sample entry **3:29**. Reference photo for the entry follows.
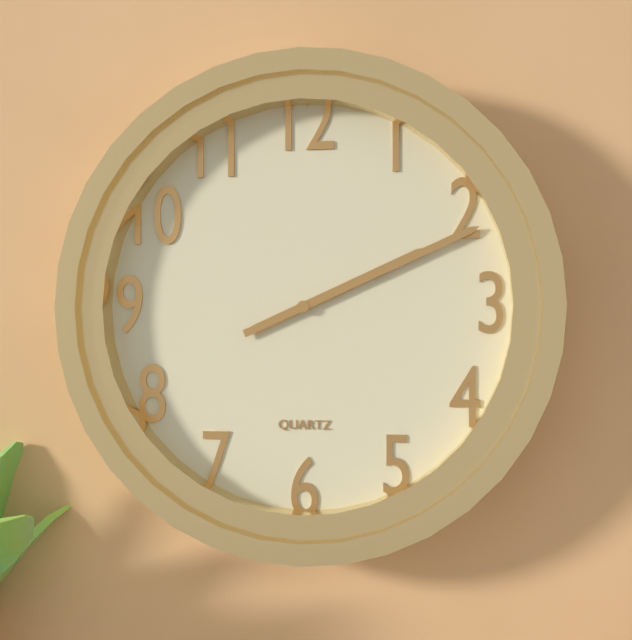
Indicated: **2:11**
